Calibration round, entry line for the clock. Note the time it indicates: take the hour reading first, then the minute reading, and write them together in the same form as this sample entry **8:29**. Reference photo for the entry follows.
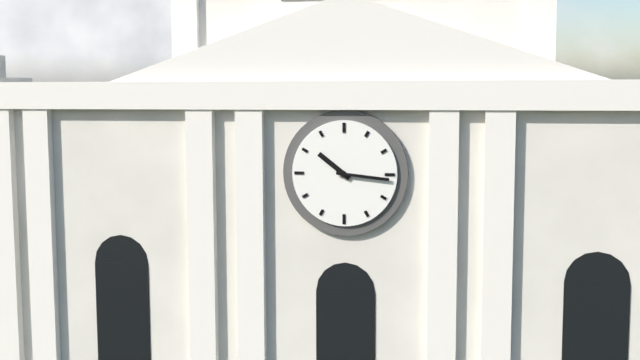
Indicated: **10:16**
